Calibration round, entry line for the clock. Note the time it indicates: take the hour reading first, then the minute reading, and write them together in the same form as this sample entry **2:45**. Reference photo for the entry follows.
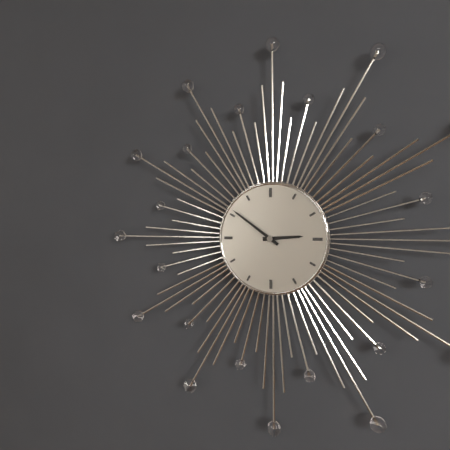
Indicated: **2:51**
